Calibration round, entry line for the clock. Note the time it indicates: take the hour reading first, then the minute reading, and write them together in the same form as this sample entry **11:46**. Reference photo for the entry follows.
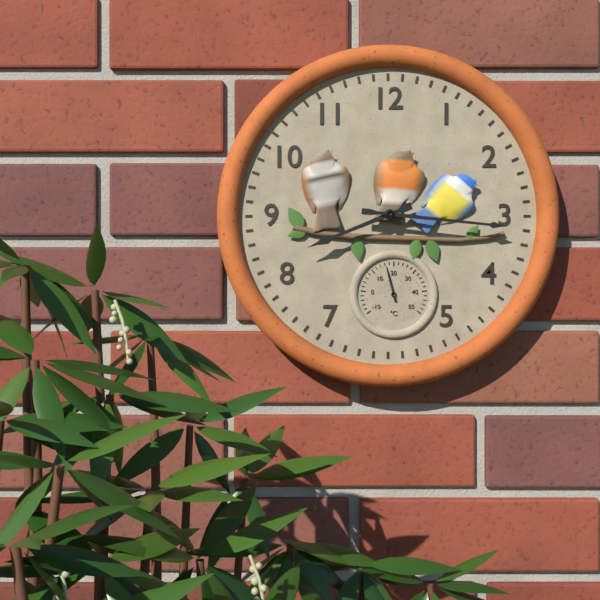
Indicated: **8:16**
